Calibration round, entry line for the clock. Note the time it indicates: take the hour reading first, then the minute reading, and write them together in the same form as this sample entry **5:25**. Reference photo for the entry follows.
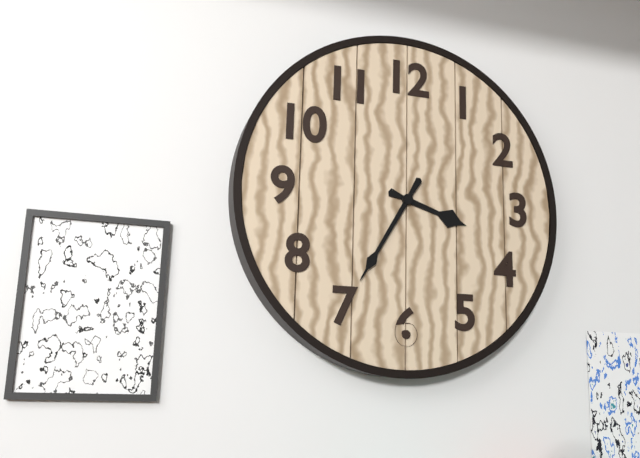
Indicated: **3:35**
